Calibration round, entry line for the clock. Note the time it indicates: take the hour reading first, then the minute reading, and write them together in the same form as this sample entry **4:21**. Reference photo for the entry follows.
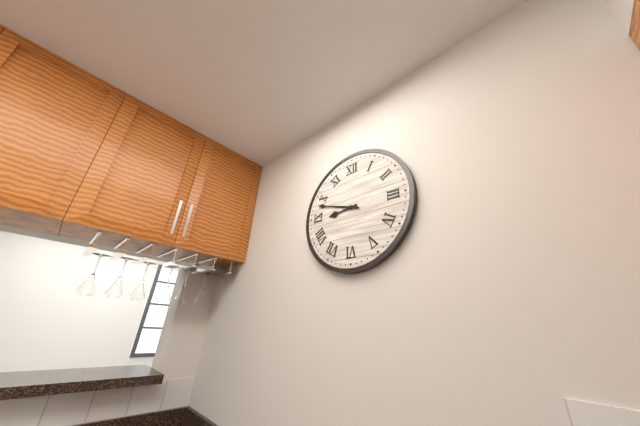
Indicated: **8:48**
